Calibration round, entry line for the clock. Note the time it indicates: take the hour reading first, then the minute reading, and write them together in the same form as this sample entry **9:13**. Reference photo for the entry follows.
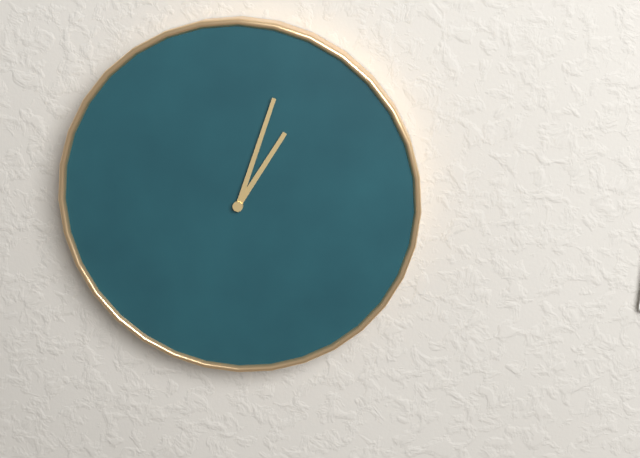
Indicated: **1:03**
